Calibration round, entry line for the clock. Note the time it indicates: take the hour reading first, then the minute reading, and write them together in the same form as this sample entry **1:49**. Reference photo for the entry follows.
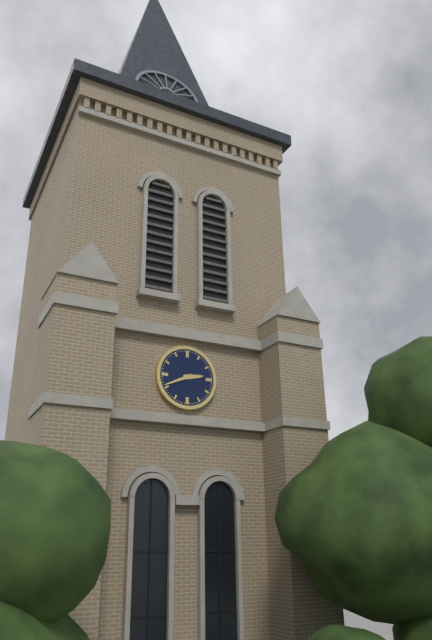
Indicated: **2:41**
